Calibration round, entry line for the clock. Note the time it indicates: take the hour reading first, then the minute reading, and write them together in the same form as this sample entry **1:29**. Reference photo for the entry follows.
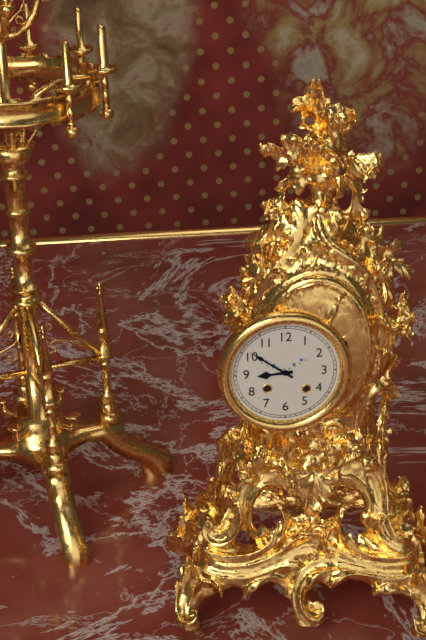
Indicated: **8:51**
